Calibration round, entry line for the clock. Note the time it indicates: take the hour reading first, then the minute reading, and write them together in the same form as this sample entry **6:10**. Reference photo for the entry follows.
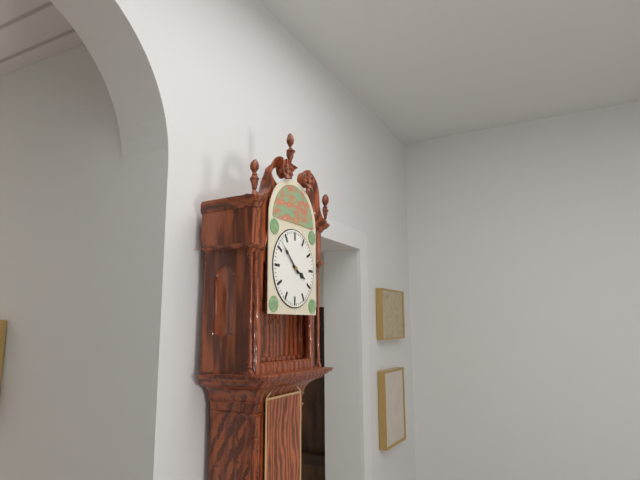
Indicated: **3:52**
